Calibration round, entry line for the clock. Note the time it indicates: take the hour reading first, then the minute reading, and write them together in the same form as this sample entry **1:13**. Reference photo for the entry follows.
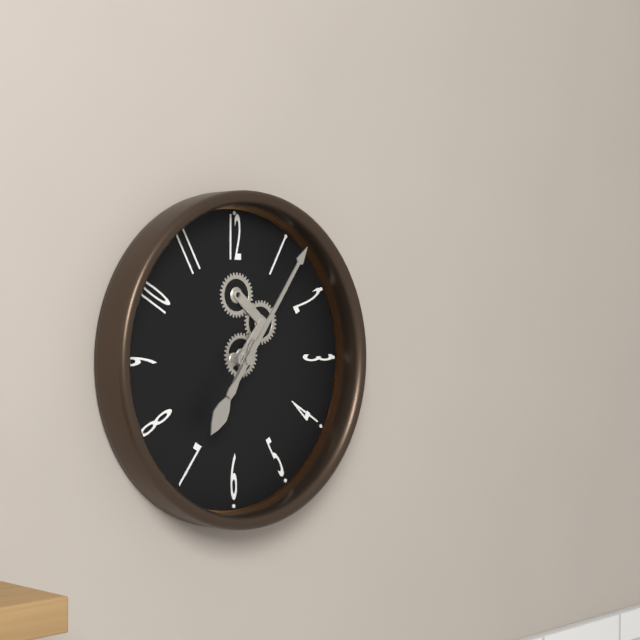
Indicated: **7:06**
